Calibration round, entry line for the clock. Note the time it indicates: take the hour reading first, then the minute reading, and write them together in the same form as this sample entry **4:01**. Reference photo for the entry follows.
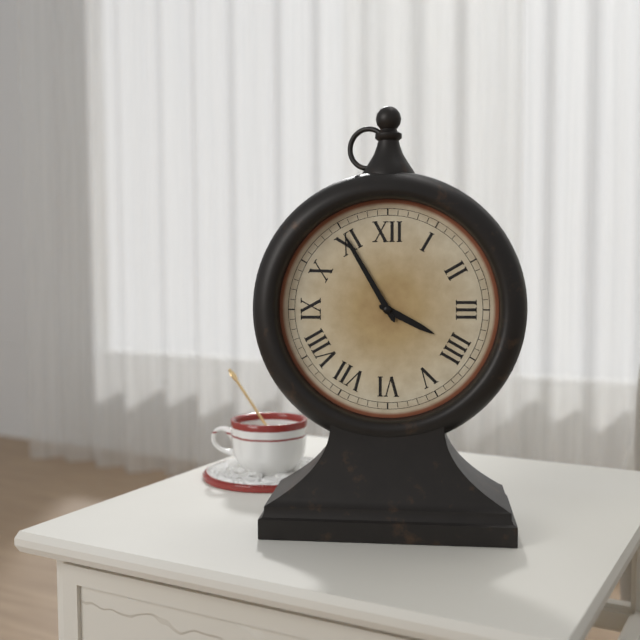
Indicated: **3:55**
